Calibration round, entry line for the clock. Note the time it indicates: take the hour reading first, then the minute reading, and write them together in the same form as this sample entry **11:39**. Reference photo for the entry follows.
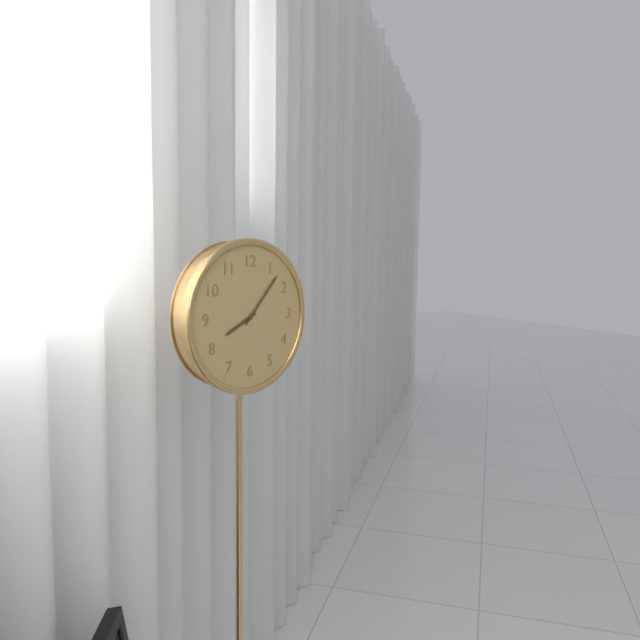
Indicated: **8:07**
